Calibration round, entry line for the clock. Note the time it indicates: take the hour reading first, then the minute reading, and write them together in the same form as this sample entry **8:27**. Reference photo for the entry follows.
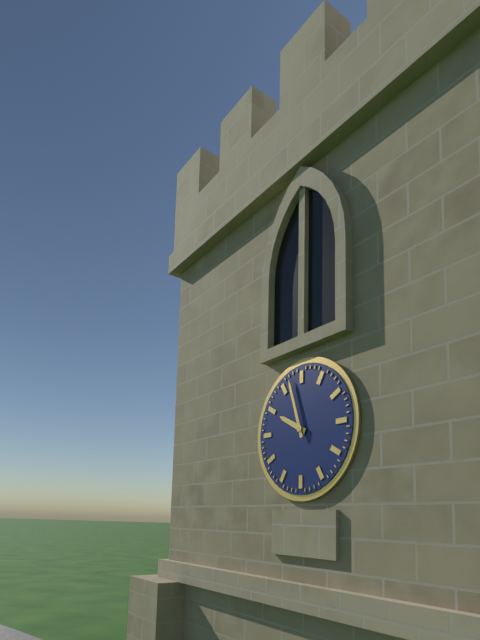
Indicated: **9:57**
